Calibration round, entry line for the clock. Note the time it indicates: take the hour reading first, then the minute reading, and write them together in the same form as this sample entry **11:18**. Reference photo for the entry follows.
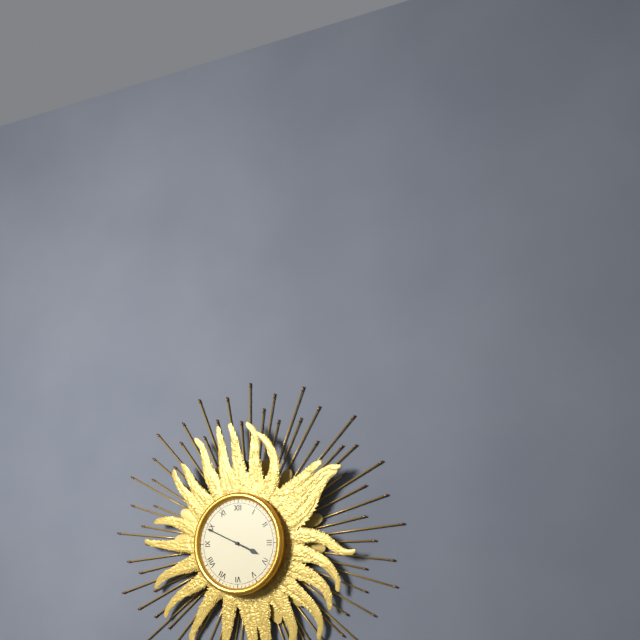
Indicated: **3:49**
